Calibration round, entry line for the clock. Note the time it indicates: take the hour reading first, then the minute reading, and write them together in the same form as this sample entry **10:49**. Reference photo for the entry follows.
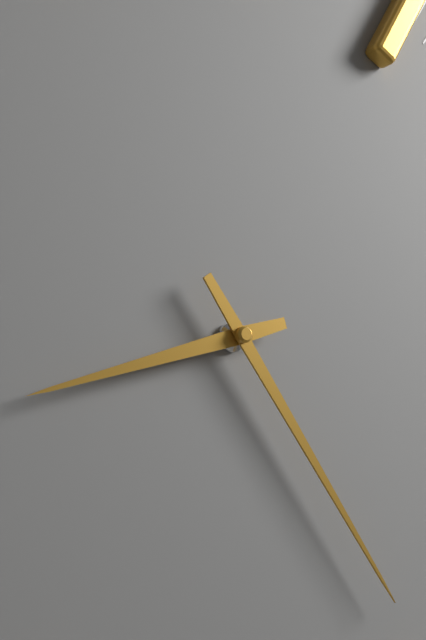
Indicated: **8:24**
